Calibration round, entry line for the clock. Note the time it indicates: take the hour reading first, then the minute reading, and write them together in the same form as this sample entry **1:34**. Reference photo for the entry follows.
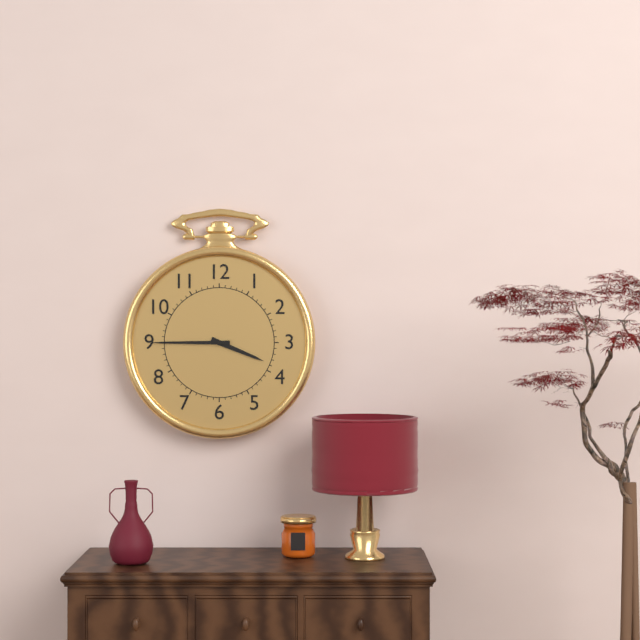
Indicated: **3:45**
